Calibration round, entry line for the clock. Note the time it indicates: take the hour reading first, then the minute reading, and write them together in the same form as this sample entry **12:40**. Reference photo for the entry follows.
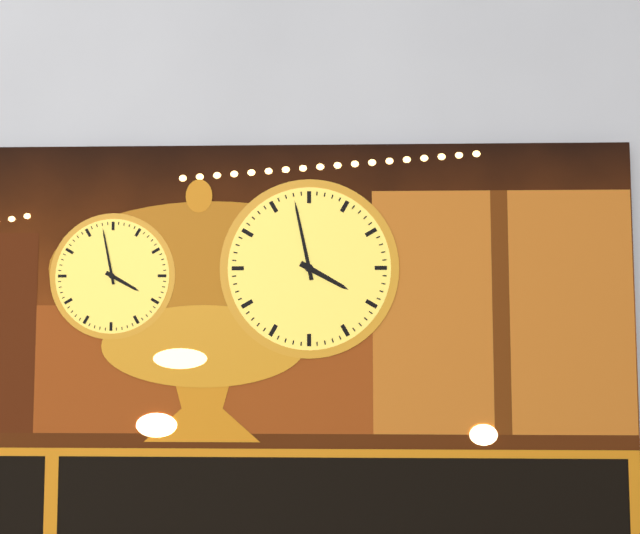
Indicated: **3:58**
